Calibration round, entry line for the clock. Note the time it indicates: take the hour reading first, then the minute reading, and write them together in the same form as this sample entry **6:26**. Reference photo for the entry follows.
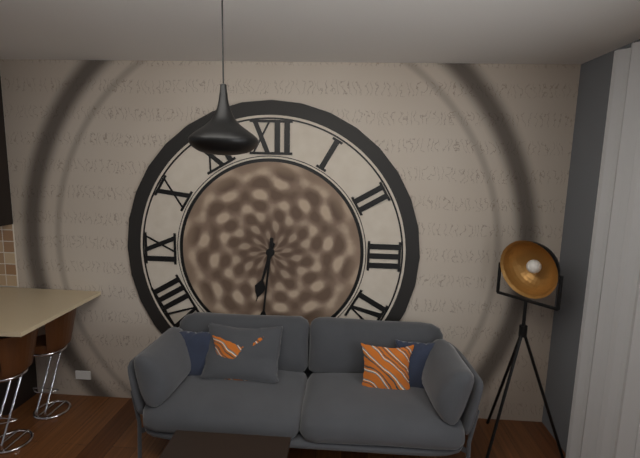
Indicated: **6:31**
